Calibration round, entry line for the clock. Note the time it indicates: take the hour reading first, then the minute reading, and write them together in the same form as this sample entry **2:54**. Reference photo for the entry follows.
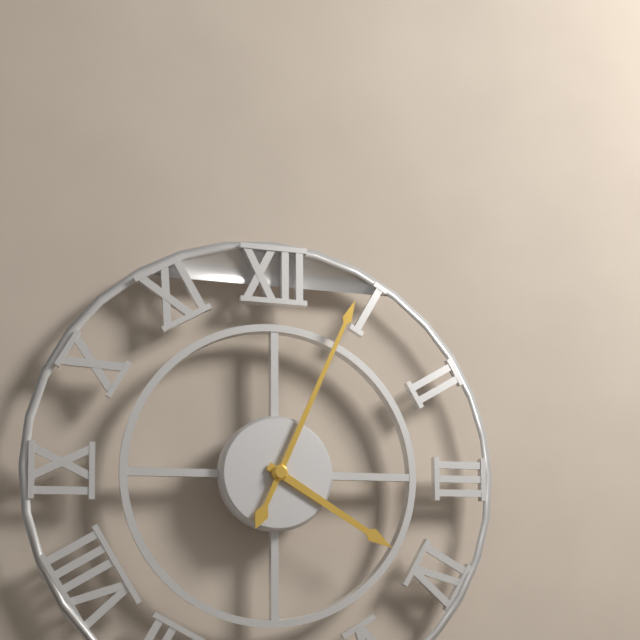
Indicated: **4:04**
